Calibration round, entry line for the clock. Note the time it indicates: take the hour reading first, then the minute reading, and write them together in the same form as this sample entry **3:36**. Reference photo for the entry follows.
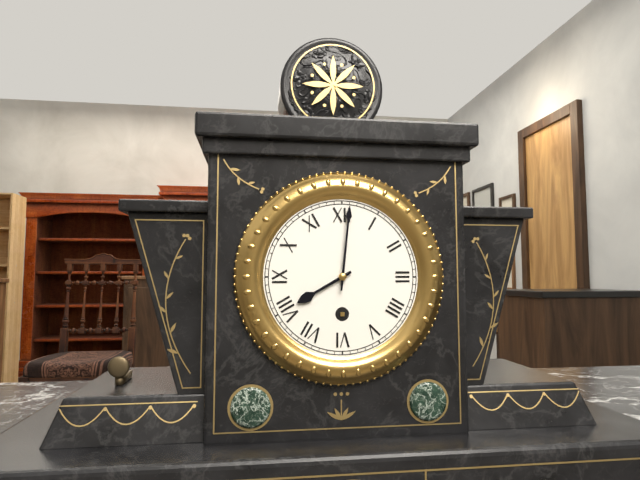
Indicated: **8:01**
